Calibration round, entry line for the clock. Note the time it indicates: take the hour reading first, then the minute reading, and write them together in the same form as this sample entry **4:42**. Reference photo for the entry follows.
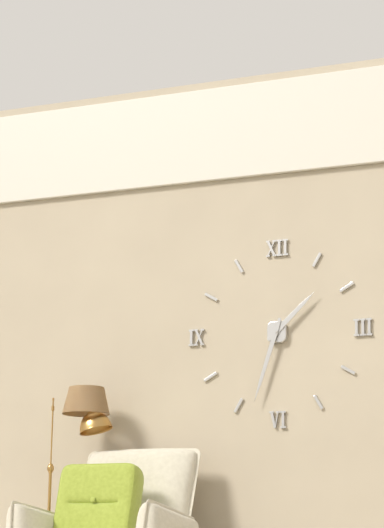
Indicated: **1:33**
